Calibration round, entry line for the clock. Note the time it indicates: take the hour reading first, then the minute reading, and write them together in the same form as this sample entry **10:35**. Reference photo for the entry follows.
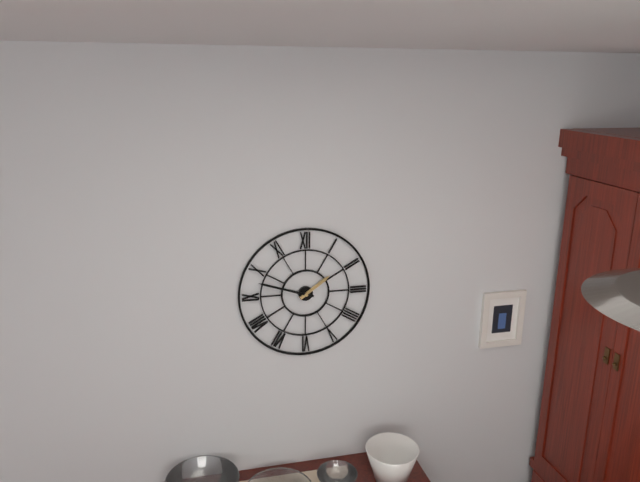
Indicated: **1:48**
